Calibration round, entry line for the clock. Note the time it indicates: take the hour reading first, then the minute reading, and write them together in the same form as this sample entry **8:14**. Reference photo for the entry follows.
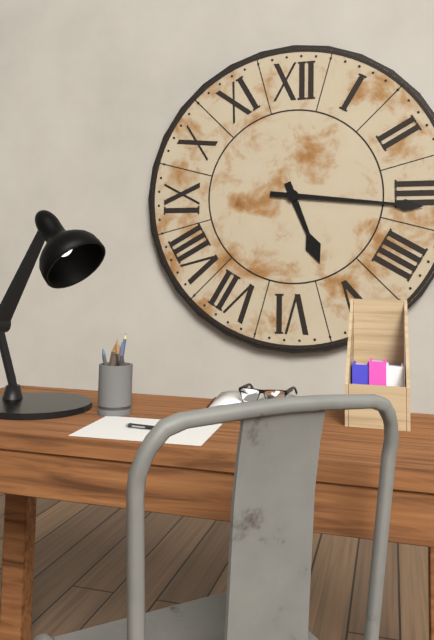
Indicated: **5:16**
